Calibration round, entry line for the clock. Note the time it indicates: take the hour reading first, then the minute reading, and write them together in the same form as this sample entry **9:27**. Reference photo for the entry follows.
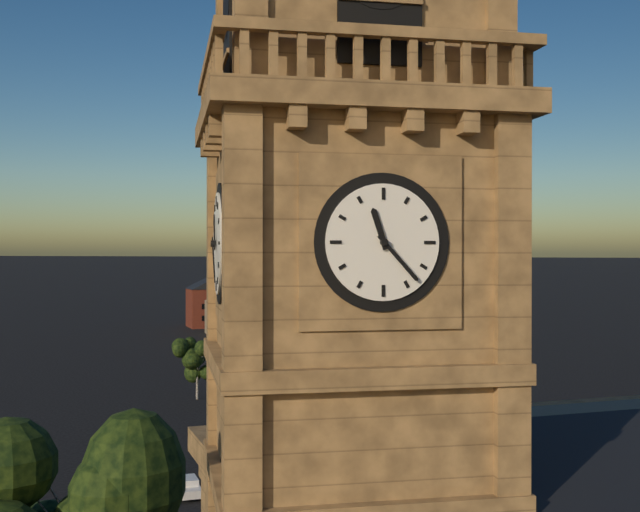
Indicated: **11:23**
